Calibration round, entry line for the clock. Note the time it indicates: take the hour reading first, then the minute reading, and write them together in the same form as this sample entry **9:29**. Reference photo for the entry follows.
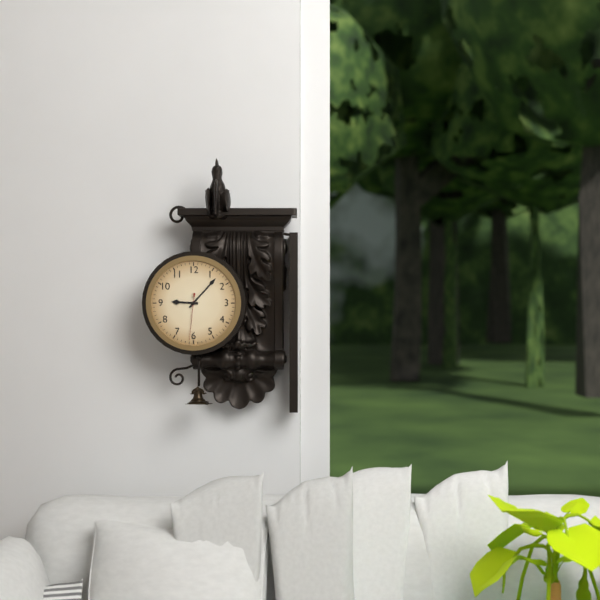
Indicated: **9:07**
